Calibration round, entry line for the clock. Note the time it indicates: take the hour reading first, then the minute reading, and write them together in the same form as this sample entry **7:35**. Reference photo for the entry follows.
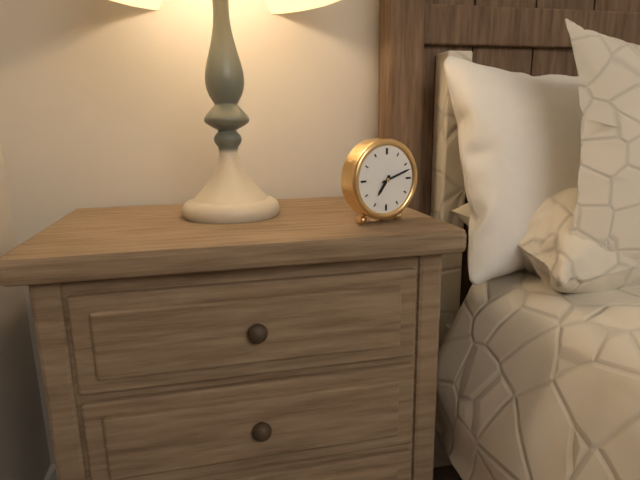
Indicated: **7:12**
